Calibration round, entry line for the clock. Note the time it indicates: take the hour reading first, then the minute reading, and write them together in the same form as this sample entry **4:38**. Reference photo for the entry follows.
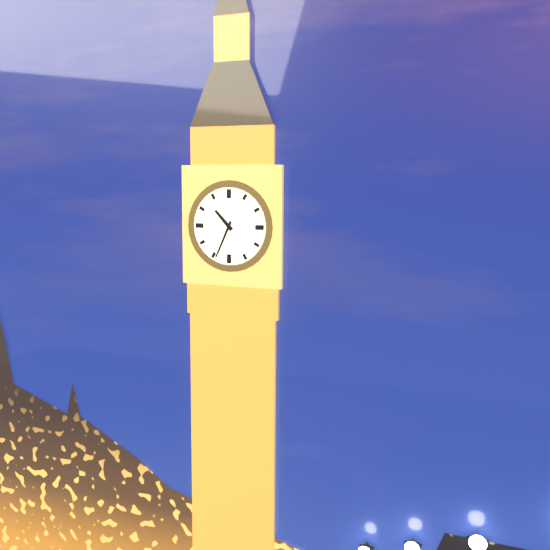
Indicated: **10:34**
